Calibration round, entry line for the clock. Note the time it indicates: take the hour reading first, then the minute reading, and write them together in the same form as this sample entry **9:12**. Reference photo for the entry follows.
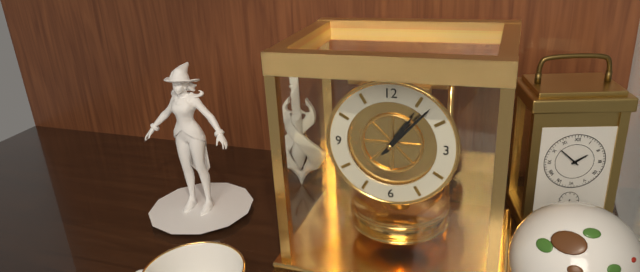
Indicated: **1:07**
